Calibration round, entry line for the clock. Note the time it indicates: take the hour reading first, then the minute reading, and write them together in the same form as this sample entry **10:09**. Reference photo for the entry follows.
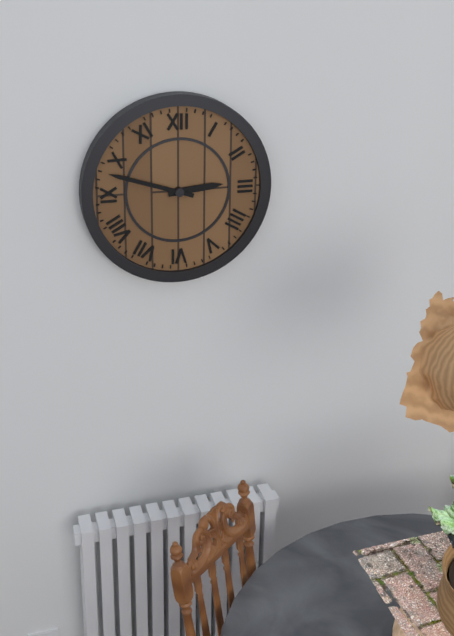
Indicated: **2:48**
